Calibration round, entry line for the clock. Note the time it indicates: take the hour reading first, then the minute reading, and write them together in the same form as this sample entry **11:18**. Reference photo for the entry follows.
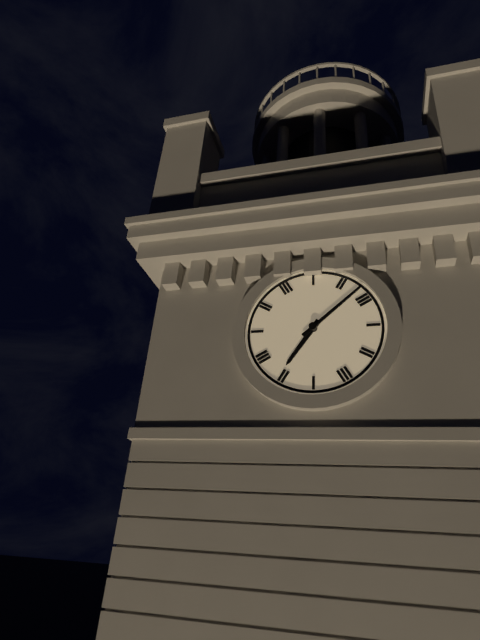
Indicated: **7:08**
